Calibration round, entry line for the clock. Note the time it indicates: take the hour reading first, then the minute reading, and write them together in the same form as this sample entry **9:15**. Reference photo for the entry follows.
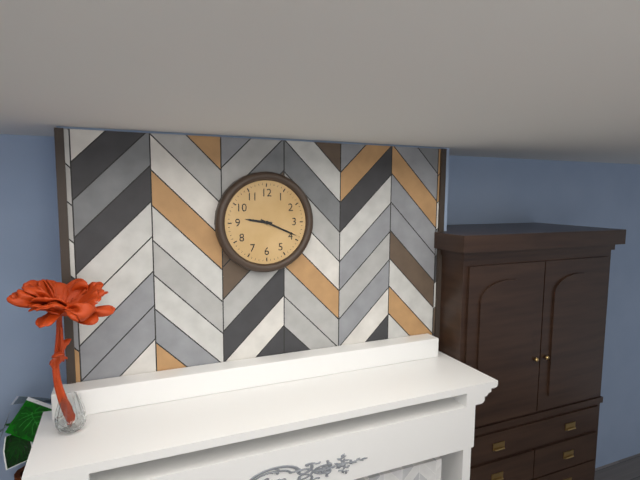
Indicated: **9:19**
